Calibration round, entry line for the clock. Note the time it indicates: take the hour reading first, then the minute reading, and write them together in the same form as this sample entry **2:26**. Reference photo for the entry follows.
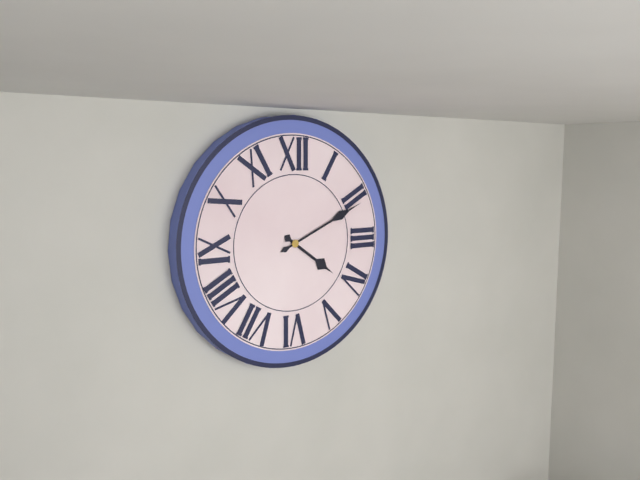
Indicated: **4:11**
